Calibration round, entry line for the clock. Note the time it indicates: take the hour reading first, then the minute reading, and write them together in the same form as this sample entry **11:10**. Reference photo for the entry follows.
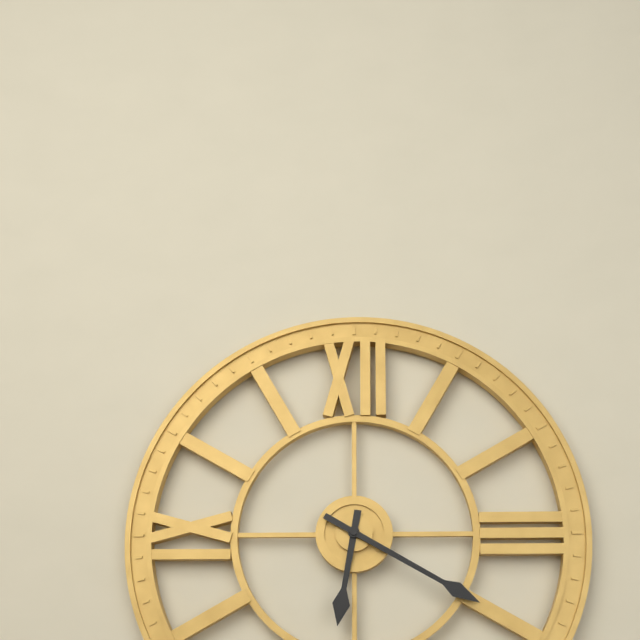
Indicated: **6:20**
